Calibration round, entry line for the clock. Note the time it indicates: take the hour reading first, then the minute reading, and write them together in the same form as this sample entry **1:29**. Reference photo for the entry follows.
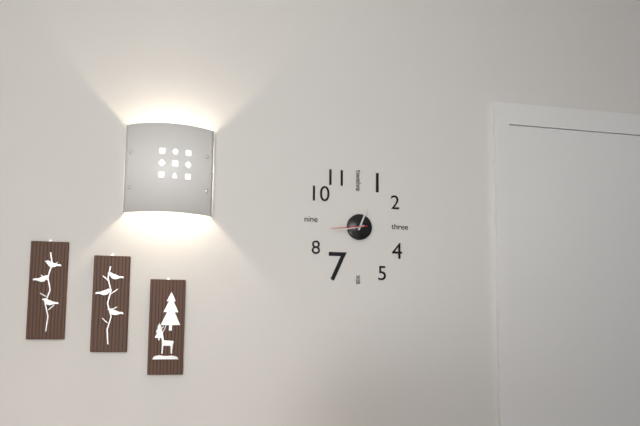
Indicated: **12:43**
